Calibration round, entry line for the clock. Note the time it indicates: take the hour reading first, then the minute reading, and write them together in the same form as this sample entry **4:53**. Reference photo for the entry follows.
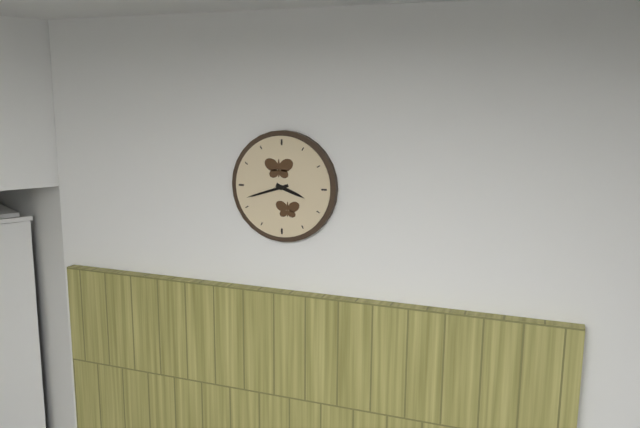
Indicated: **3:42**
